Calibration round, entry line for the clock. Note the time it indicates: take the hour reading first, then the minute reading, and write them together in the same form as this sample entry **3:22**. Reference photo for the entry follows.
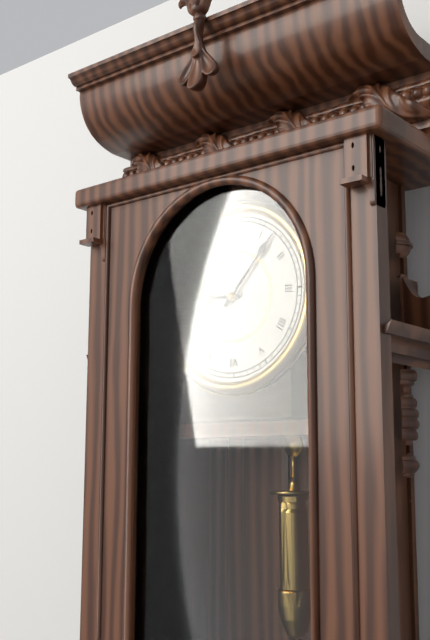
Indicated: **9:07**
